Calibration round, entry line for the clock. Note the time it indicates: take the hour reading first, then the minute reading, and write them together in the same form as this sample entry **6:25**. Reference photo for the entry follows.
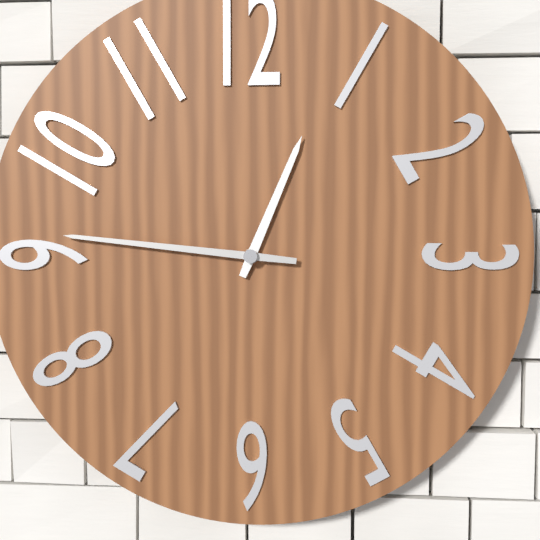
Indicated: **12:46**
